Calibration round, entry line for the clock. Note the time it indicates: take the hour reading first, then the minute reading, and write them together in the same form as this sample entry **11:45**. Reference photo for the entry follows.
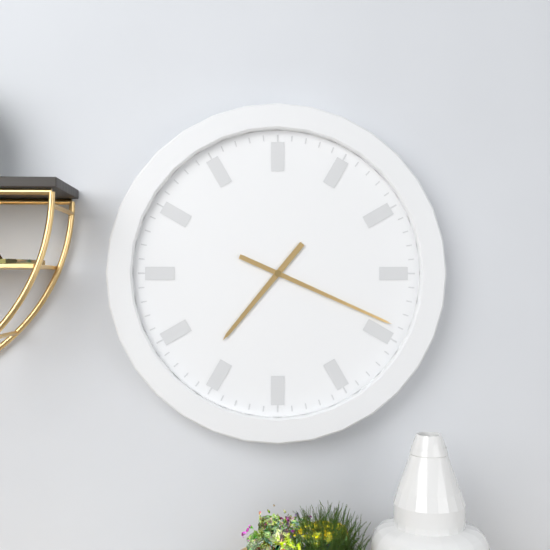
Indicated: **7:19**
